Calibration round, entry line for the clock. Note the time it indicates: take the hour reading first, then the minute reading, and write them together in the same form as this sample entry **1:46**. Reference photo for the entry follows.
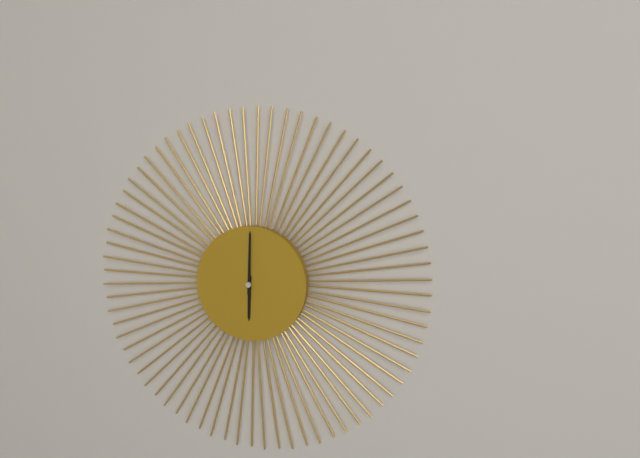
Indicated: **6:00**
